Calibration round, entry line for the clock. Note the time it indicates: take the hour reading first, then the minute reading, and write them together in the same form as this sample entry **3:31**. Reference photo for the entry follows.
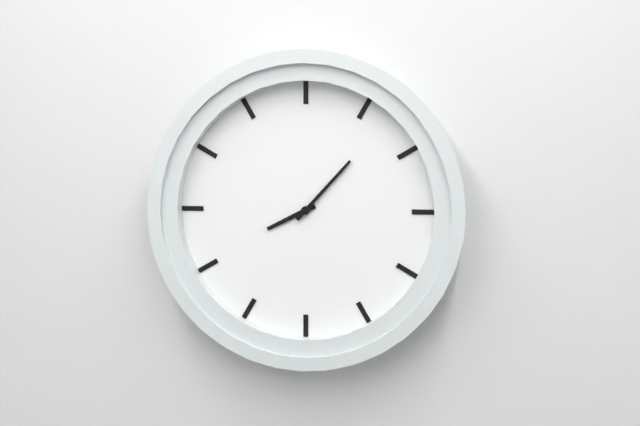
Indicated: **8:07**
